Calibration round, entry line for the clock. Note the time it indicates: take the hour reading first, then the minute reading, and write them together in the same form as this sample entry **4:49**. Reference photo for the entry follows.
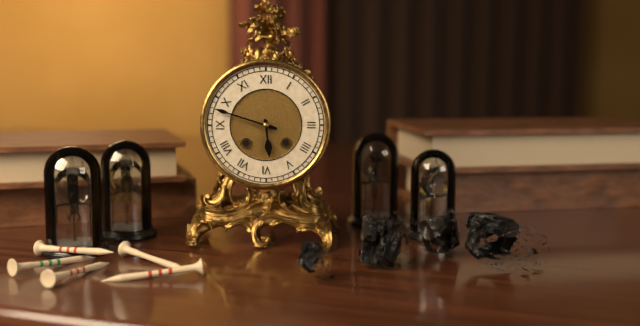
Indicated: **5:48**
